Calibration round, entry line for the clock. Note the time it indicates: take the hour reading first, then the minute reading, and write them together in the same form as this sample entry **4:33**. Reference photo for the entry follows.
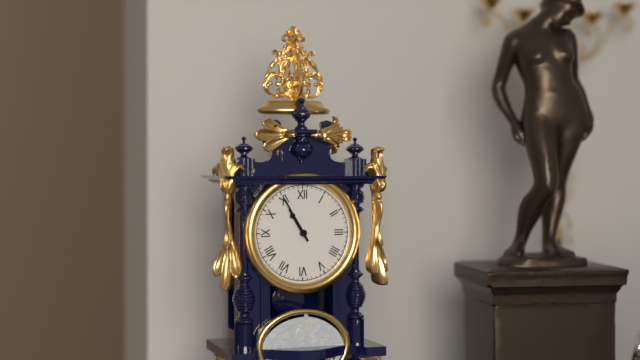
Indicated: **10:55**
